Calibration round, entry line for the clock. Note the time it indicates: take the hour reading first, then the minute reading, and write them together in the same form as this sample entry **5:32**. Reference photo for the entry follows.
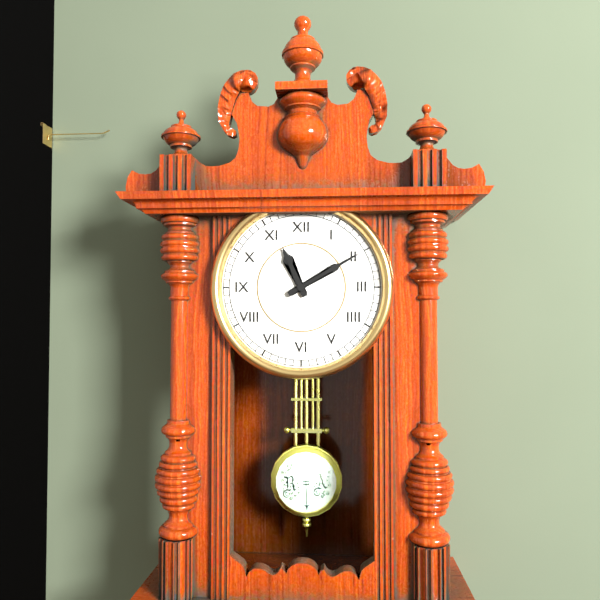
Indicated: **11:10**
